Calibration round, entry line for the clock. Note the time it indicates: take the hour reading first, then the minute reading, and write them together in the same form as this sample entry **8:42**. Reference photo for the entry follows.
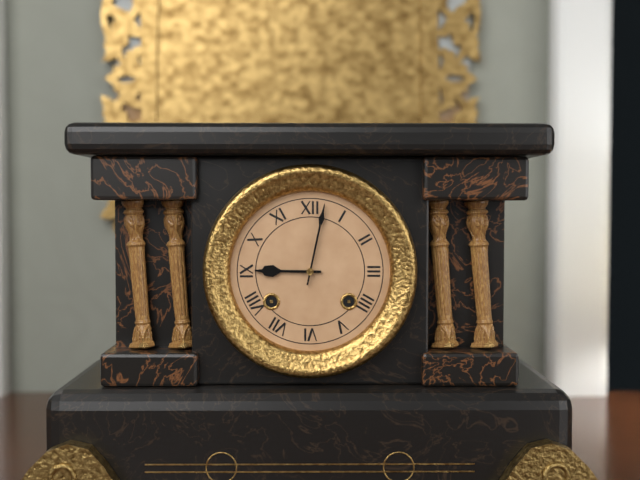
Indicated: **9:02**
